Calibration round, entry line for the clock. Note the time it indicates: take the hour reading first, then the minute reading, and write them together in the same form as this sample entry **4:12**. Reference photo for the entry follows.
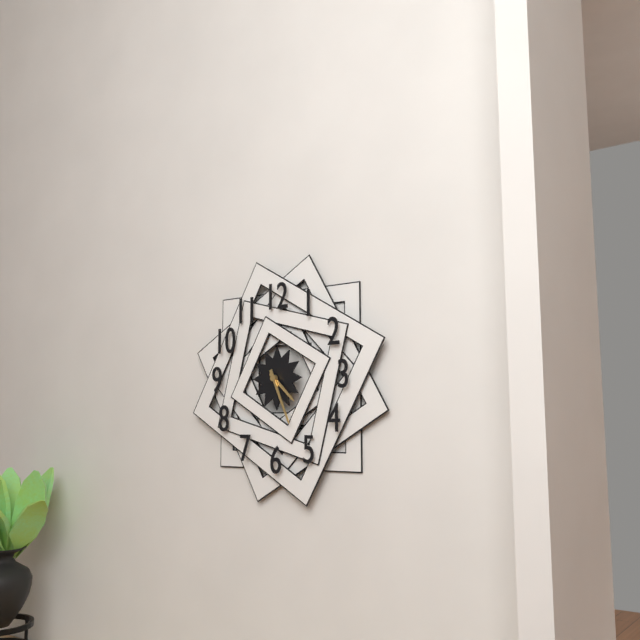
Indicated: **4:26**
